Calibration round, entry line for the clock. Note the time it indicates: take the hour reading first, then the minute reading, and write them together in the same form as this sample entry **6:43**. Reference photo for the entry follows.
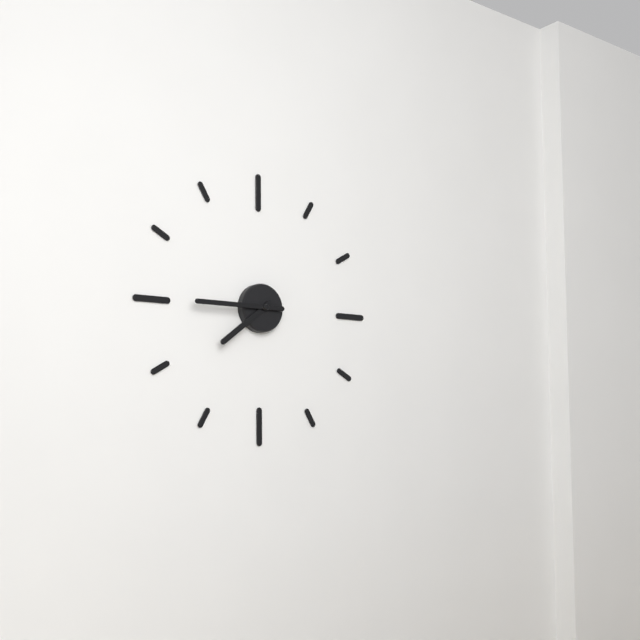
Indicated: **7:45**
